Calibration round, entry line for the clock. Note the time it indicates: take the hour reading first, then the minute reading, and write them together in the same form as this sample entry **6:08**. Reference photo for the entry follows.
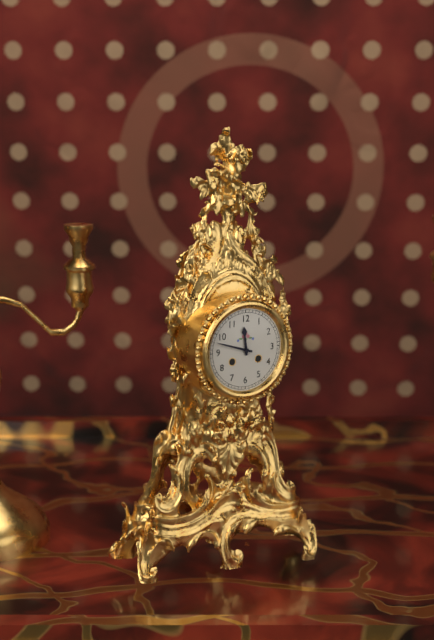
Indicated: **11:48**
